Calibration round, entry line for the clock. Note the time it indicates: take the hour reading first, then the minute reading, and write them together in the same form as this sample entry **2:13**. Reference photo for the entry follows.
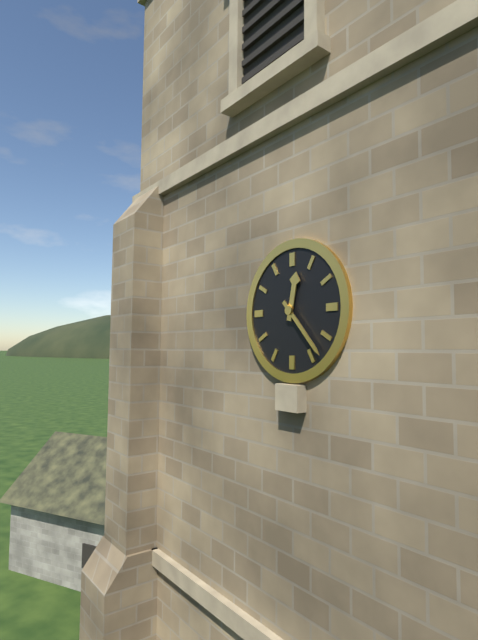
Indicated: **12:23**
